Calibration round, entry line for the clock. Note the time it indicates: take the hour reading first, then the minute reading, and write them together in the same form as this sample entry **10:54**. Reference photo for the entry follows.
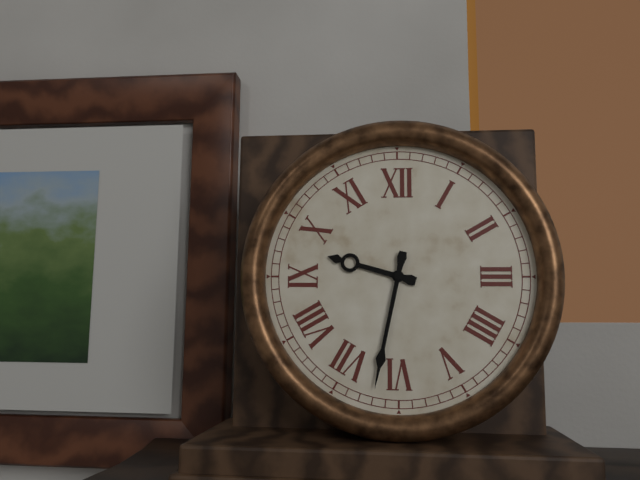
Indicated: **9:32**
